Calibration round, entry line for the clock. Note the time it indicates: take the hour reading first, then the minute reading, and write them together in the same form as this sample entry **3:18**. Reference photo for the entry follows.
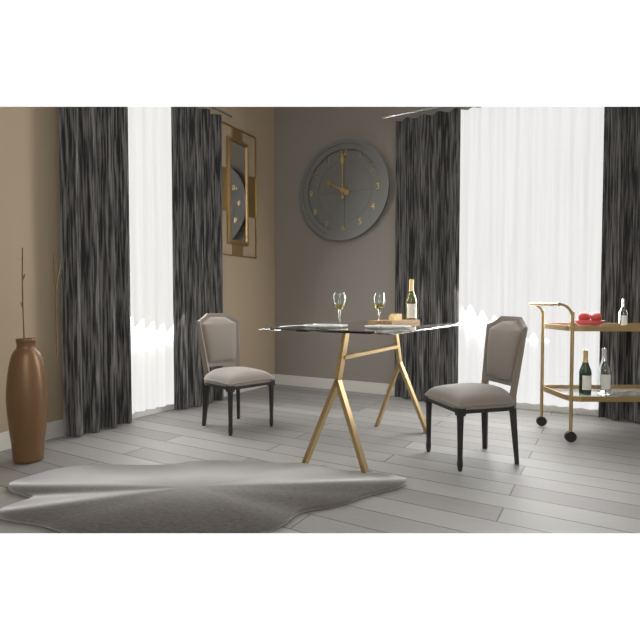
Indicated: **10:00**
